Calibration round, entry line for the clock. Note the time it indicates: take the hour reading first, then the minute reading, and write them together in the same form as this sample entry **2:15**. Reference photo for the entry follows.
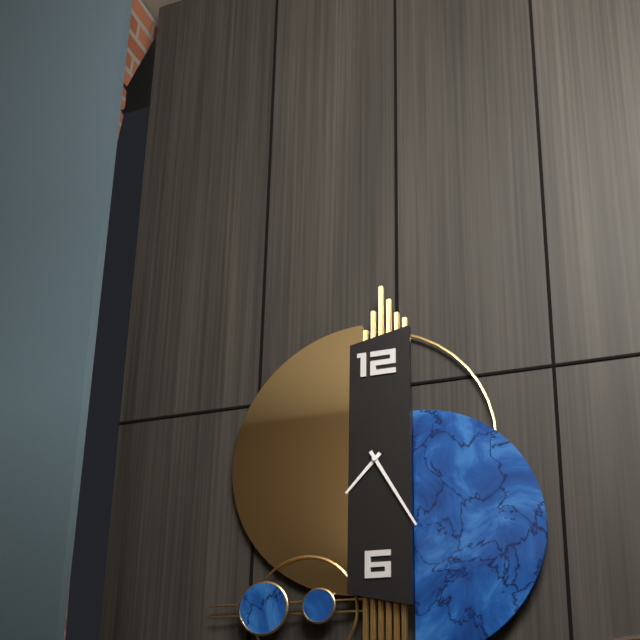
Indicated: **7:25**
